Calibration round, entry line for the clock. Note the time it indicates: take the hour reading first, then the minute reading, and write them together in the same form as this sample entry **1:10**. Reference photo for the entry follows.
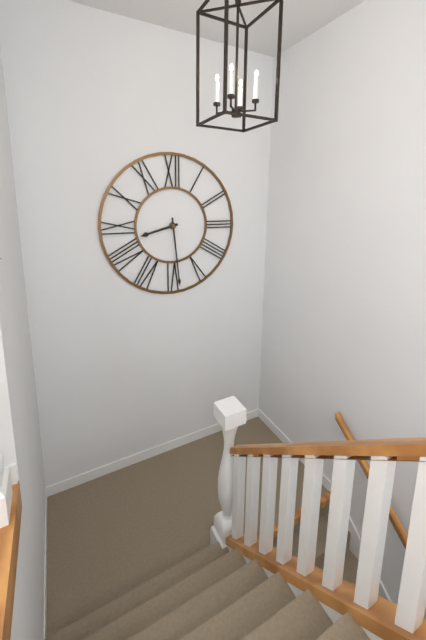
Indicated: **8:29**
